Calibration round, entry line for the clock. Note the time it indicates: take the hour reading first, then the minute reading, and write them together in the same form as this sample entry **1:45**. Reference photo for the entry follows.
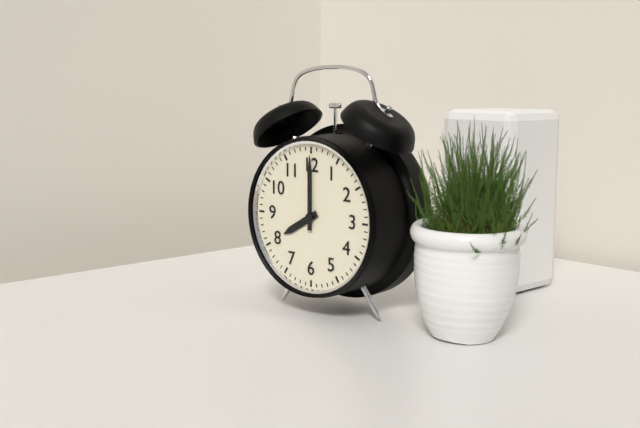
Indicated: **8:00**
